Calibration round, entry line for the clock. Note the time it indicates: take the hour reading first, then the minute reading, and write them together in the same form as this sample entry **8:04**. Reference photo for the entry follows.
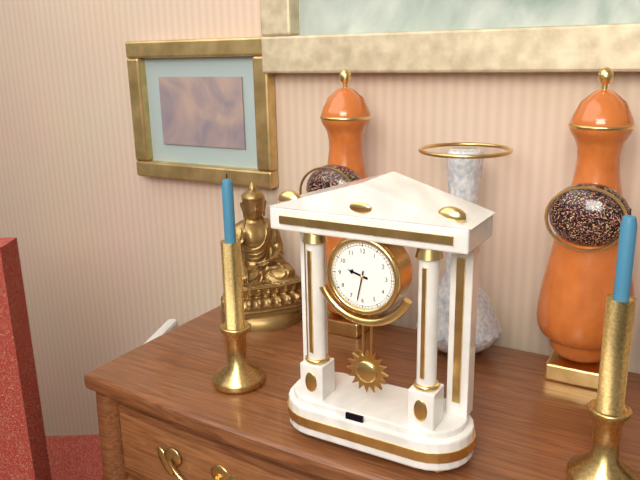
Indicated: **9:32**
